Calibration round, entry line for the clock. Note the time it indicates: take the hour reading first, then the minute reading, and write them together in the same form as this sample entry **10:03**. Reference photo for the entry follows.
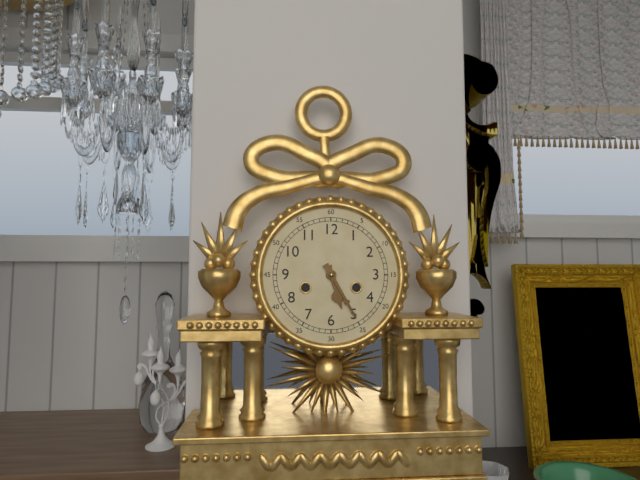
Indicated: **5:25**
